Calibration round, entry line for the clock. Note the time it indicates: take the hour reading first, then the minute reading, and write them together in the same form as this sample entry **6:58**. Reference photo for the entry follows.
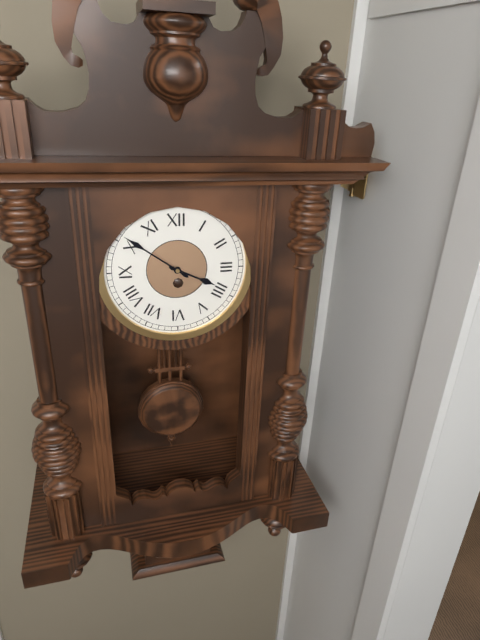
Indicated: **3:51**
